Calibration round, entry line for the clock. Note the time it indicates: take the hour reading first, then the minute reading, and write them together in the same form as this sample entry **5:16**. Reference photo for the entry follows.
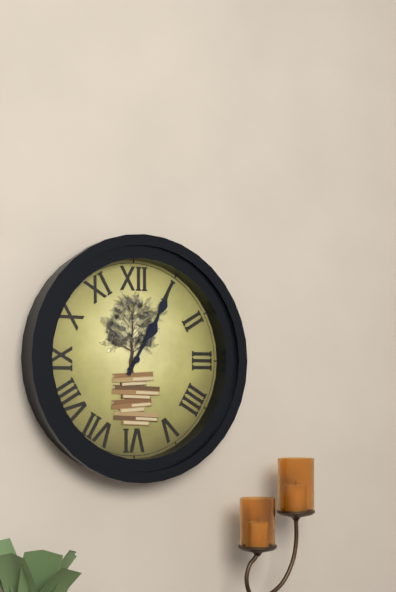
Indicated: **1:05**
